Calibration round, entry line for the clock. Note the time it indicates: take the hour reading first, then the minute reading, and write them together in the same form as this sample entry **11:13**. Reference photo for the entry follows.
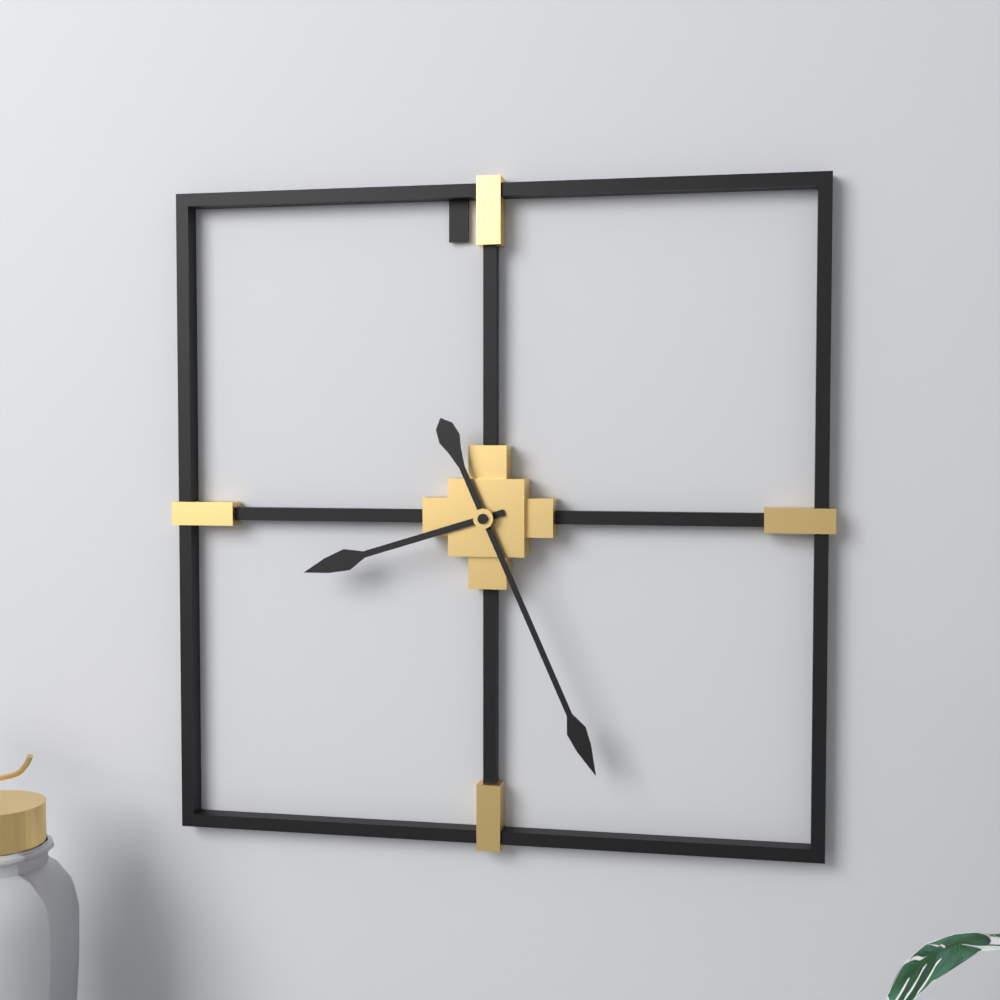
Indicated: **8:26**
